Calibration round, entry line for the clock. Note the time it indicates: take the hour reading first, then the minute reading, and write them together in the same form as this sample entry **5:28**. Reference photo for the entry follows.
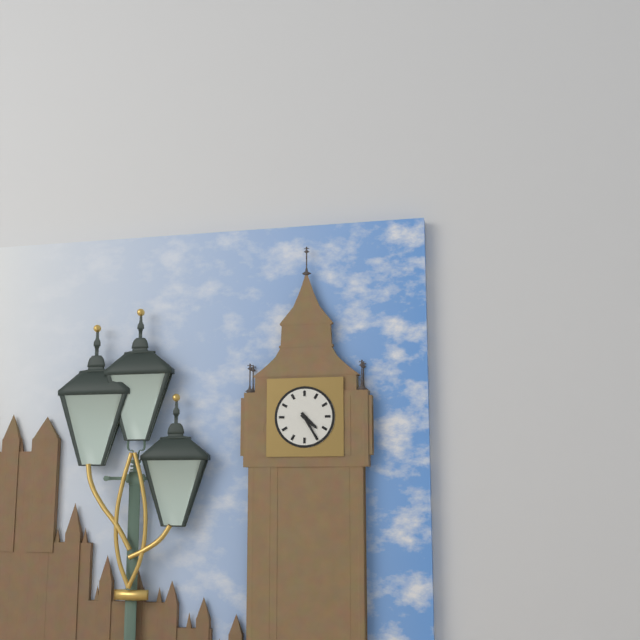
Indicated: **4:25**
